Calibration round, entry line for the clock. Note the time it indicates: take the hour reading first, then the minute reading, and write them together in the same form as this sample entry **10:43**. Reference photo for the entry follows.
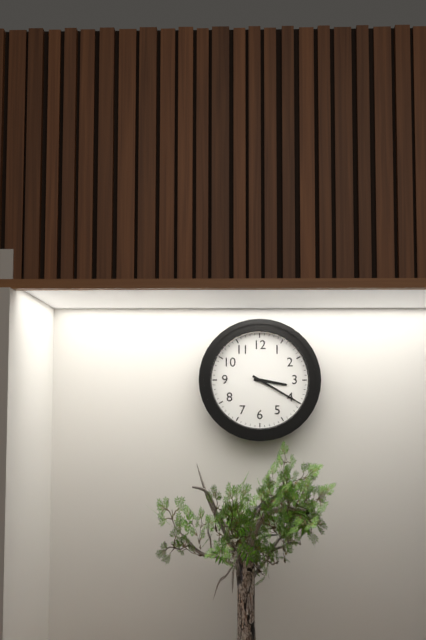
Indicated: **3:20**
